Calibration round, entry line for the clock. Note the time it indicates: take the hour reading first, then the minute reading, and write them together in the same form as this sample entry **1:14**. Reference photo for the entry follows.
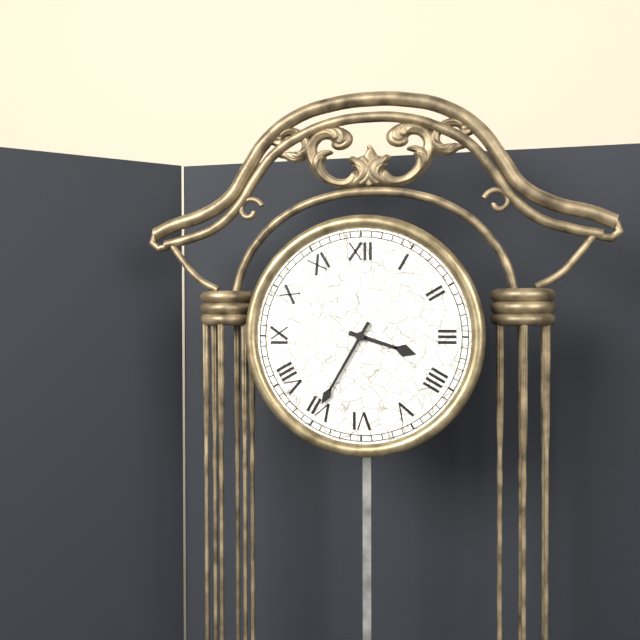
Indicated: **3:35**
